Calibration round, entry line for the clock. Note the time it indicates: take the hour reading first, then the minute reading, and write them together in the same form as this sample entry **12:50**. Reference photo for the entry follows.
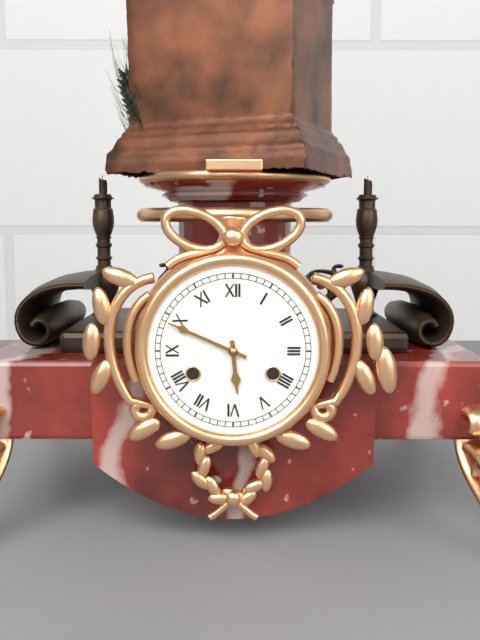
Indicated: **5:49**
